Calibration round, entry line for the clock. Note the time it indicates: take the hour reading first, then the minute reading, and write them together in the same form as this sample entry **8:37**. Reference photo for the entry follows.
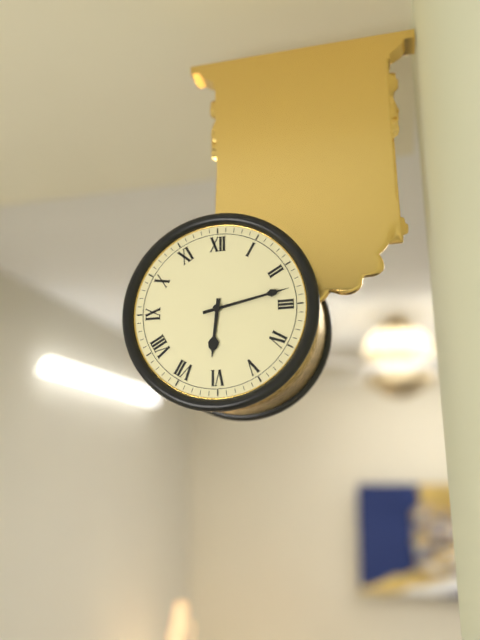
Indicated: **6:13**
